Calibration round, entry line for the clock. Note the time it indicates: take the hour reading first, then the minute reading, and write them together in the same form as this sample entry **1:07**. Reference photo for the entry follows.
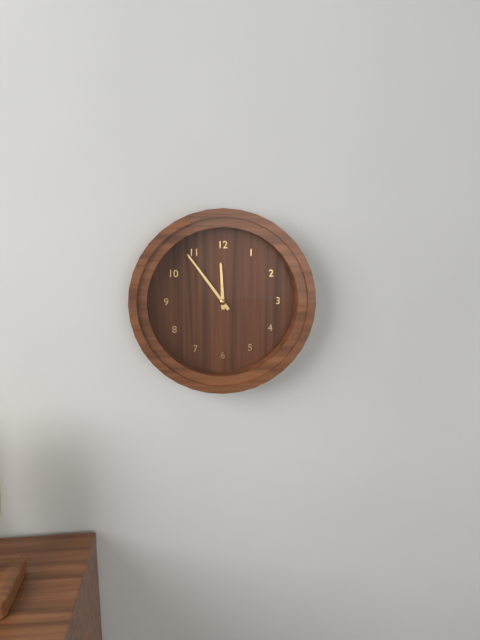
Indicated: **11:54**
